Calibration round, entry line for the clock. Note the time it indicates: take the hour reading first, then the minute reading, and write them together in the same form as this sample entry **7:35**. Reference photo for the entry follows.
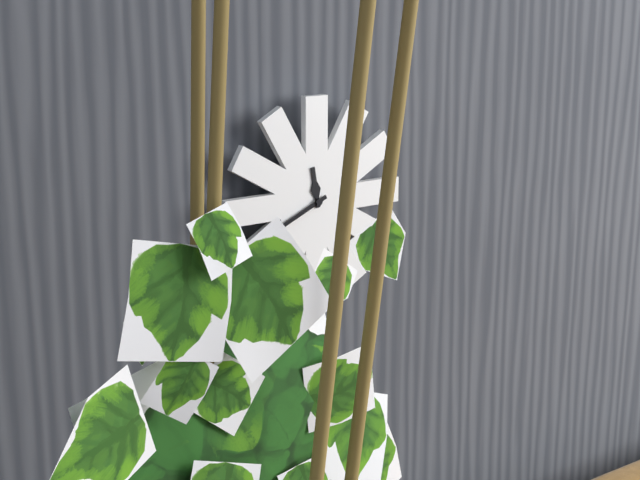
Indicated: **11:41**
